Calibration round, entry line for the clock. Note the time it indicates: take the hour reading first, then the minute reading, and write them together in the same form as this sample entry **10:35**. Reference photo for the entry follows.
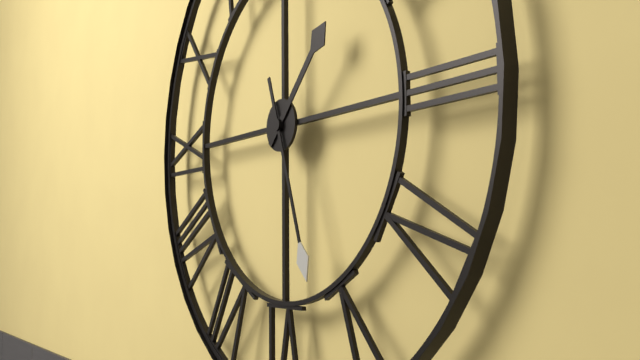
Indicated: **1:27**
